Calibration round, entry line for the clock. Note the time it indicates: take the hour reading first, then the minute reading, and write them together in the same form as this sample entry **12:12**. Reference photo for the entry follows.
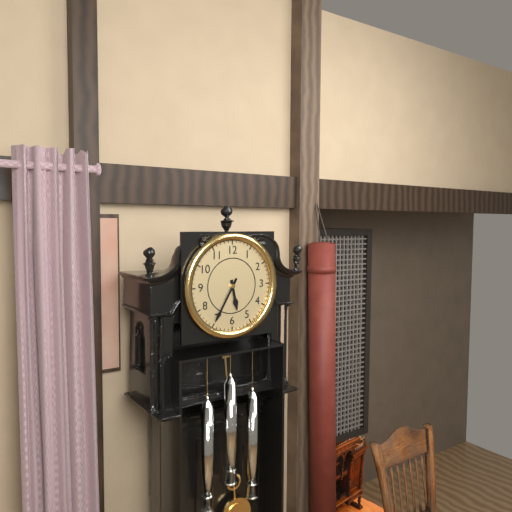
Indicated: **5:35**
